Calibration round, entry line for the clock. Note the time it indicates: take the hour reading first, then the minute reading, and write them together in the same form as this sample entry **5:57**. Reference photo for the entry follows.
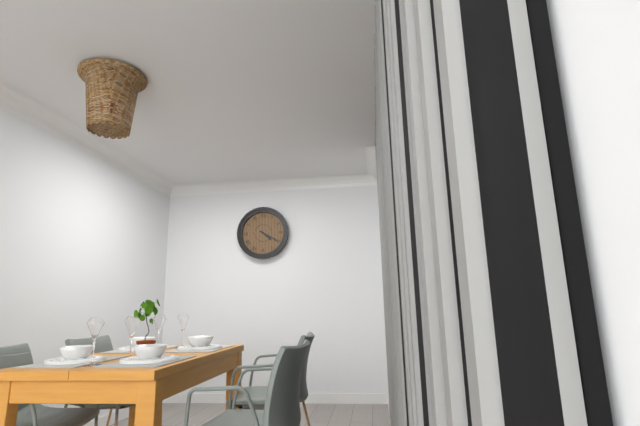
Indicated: **4:20**
